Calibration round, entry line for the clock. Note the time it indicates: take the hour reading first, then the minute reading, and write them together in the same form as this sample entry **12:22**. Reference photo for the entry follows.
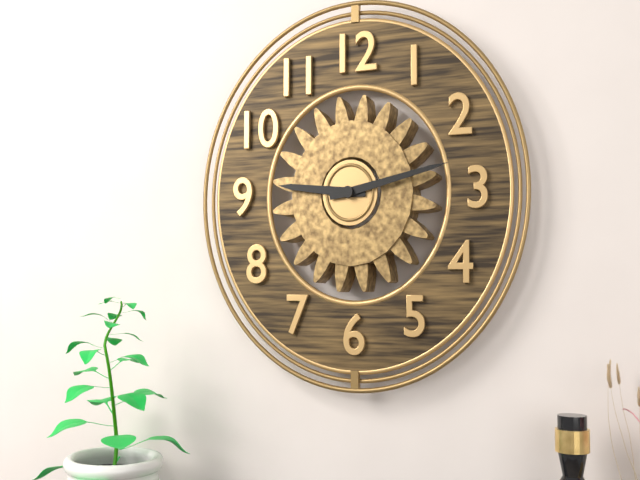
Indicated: **9:13**
